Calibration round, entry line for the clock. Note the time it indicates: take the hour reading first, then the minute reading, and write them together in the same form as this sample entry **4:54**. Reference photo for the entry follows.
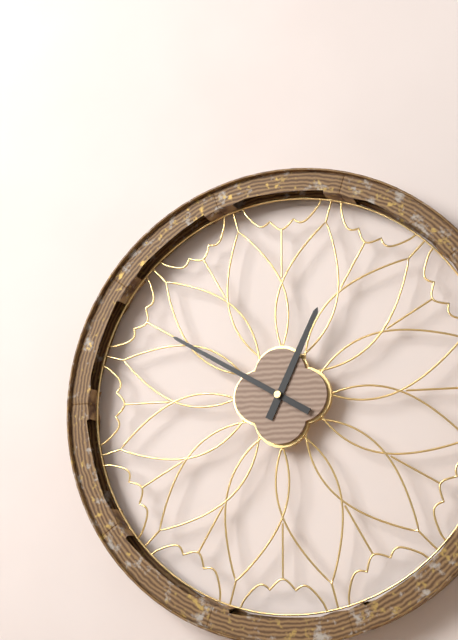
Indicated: **12:50**
